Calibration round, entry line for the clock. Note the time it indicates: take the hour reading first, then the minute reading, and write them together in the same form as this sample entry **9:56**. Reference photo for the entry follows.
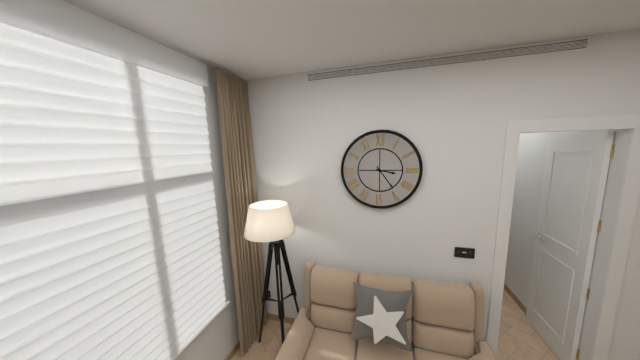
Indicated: **3:24**
